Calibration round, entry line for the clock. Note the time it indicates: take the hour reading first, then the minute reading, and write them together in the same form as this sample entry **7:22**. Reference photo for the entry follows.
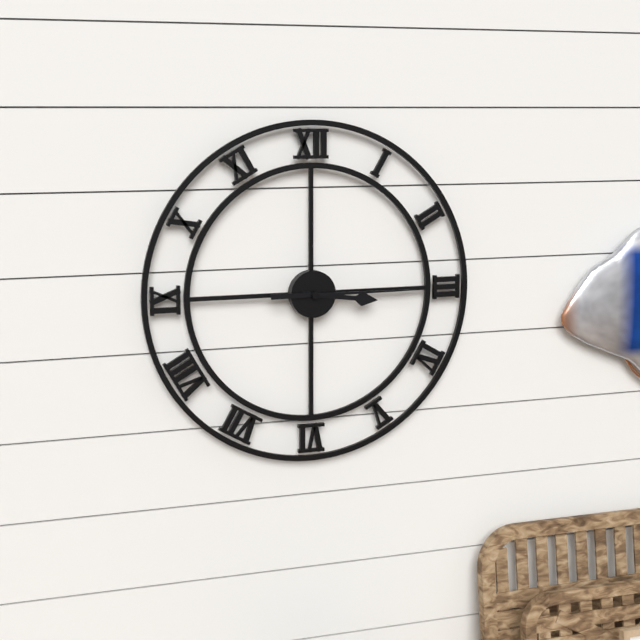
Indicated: **3:15**
